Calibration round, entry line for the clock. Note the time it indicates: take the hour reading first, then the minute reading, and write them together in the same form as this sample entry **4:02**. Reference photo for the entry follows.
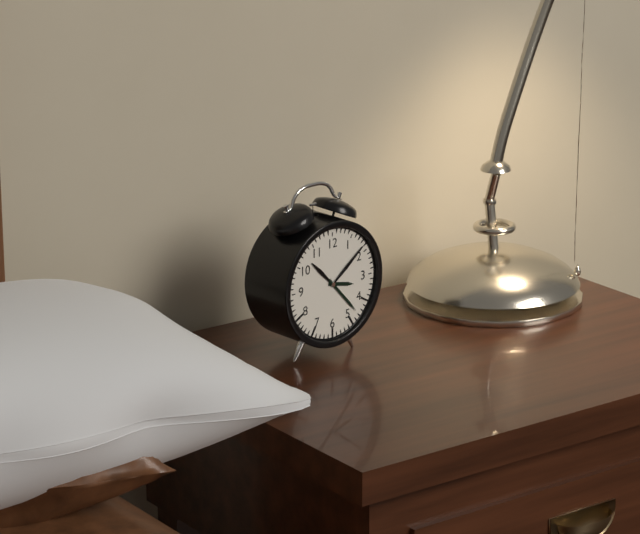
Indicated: **3:23**
